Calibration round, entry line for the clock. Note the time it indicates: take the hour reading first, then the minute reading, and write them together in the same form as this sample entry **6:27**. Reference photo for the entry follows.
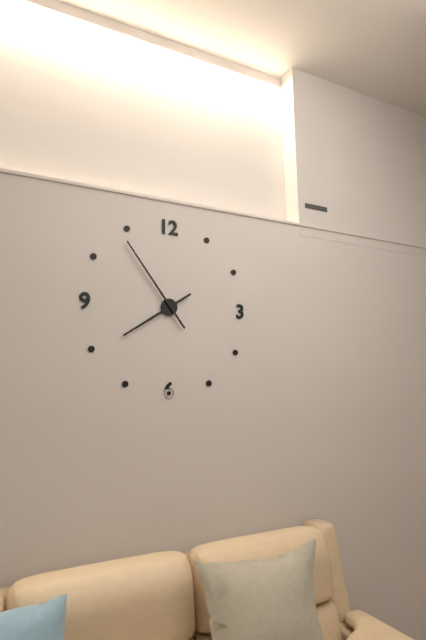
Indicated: **7:54**
